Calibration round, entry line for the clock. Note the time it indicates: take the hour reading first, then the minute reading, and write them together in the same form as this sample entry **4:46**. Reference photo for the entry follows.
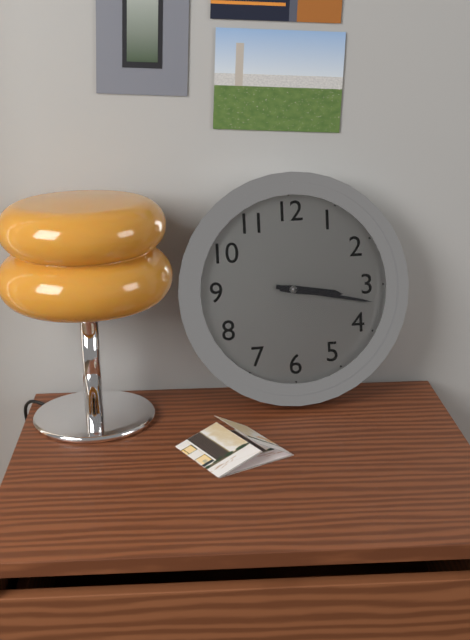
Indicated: **3:17**
